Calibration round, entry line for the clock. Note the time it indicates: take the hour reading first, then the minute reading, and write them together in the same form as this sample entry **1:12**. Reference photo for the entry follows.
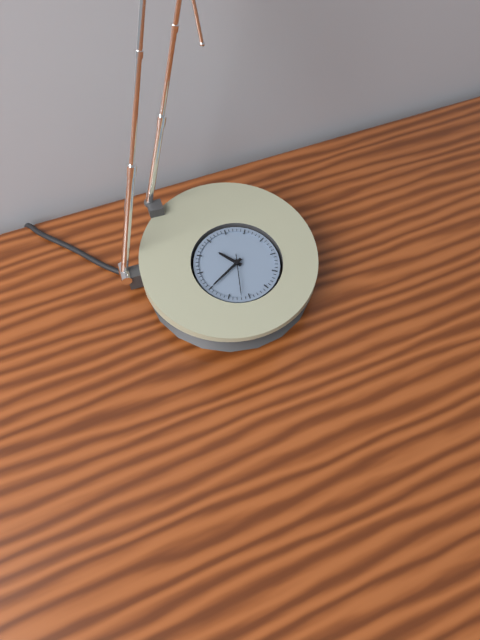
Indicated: **10:40**
